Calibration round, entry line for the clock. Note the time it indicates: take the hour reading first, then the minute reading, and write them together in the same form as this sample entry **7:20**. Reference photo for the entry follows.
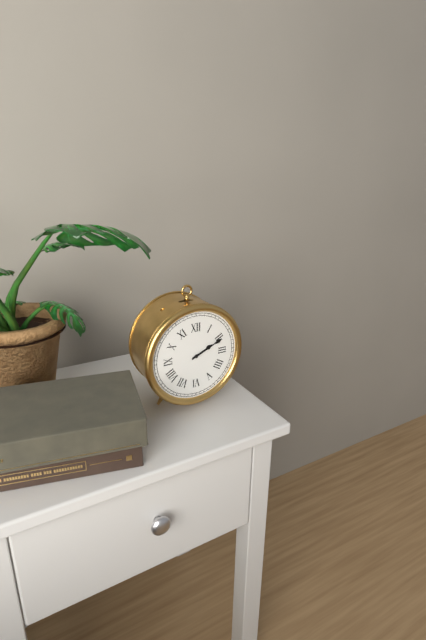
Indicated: **2:11**
